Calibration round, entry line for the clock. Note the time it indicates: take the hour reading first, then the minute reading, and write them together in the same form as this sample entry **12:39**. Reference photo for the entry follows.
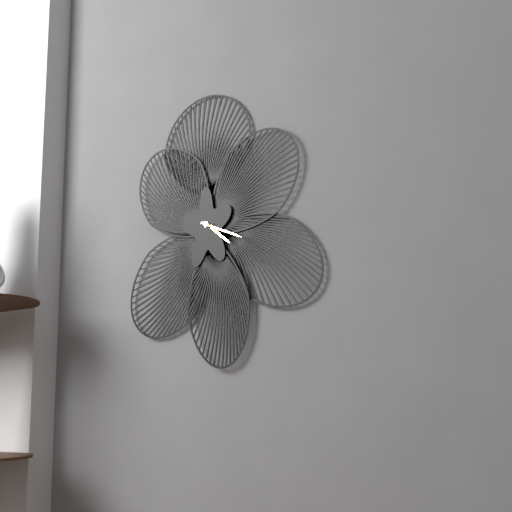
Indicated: **4:19**
